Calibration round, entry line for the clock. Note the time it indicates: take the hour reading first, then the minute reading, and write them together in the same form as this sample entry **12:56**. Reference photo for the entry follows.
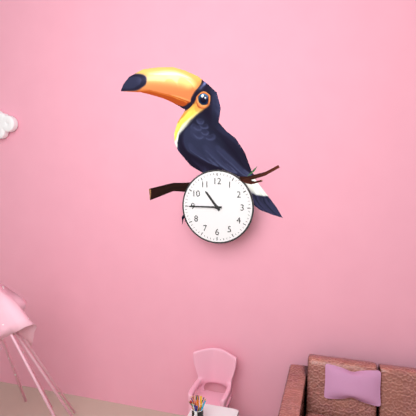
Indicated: **10:45**
